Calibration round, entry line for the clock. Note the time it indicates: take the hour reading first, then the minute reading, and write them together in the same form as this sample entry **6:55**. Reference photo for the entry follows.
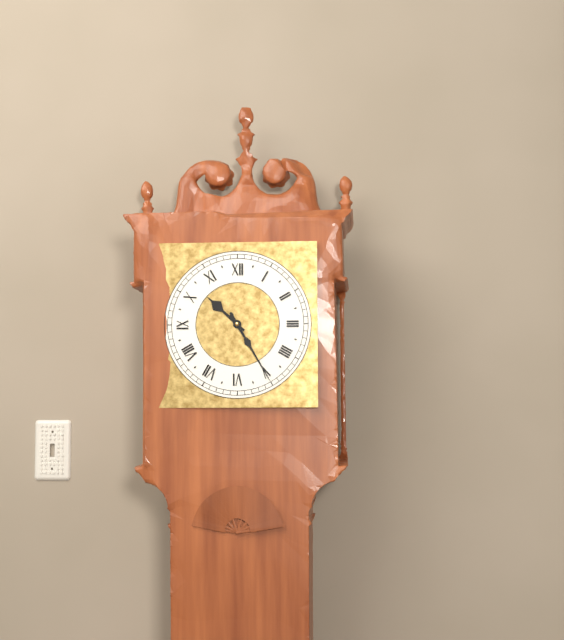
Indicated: **10:25**
